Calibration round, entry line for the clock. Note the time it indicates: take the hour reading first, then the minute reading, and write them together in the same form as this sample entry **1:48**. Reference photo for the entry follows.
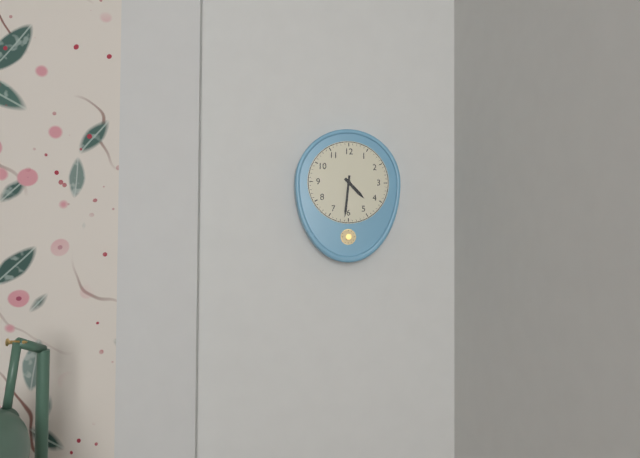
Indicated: **4:31**
